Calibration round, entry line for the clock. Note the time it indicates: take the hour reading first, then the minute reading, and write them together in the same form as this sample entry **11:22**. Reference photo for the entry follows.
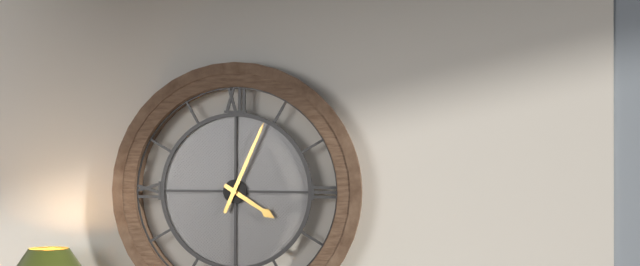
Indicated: **4:04**
